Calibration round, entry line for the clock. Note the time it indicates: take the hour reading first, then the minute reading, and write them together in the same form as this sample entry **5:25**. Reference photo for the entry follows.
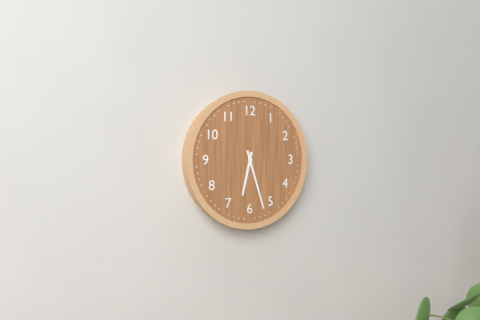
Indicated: **6:27**
